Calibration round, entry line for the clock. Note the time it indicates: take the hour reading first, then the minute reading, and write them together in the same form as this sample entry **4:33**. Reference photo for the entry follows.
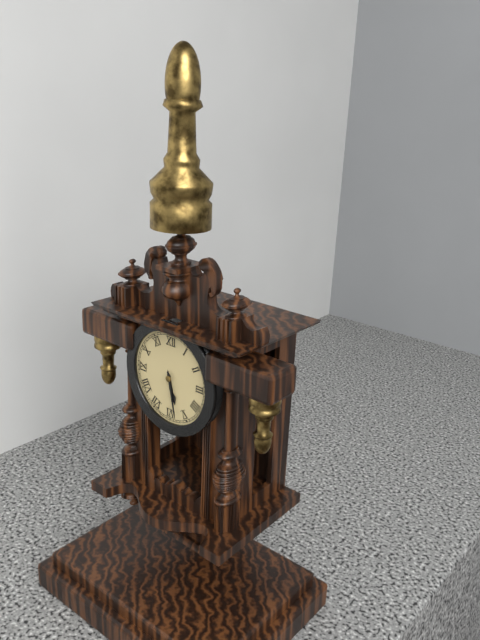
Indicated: **5:28**
